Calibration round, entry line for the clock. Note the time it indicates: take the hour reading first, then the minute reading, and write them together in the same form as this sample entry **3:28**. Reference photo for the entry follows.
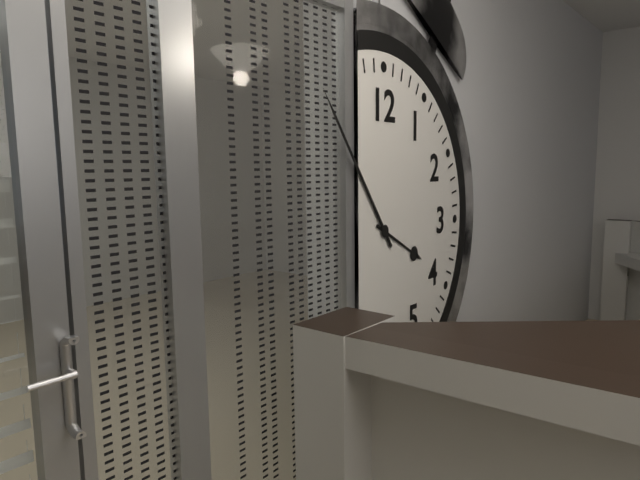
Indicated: **3:54**
